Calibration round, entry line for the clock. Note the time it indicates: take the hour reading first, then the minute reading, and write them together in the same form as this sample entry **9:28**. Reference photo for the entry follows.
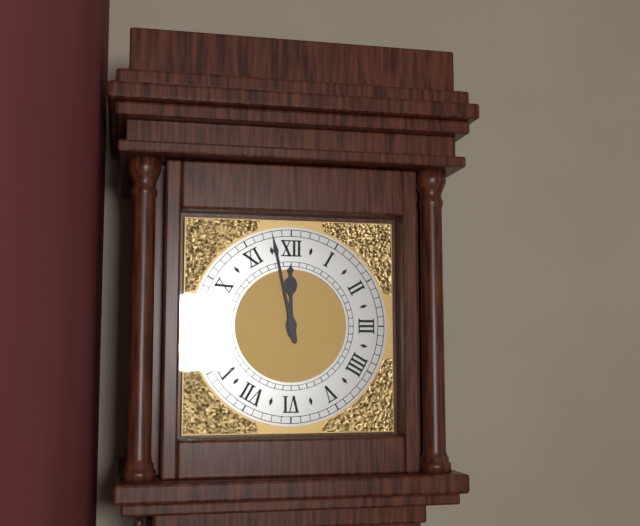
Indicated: **11:58**
